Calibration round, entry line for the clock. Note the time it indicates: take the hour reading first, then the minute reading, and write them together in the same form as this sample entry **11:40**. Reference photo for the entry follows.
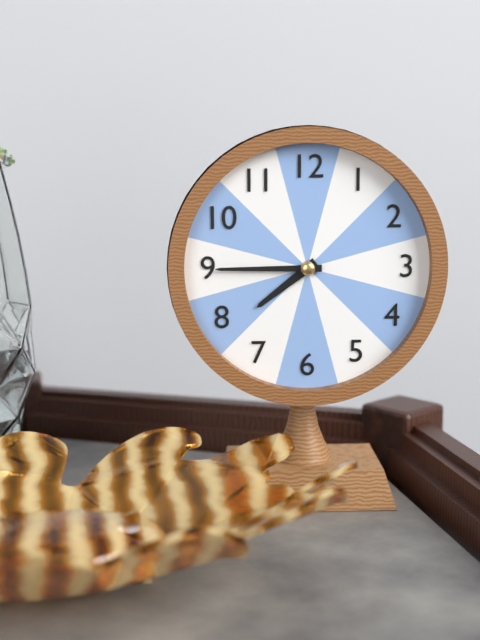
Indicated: **7:45**
